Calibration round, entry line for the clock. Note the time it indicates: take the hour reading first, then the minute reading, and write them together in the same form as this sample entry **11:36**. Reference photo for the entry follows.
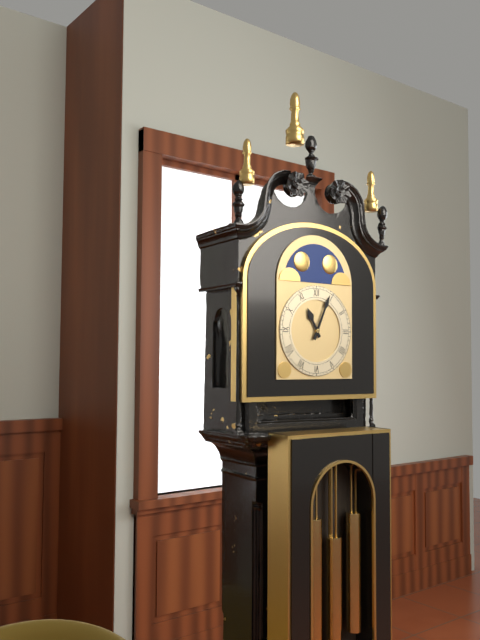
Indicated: **11:04**
